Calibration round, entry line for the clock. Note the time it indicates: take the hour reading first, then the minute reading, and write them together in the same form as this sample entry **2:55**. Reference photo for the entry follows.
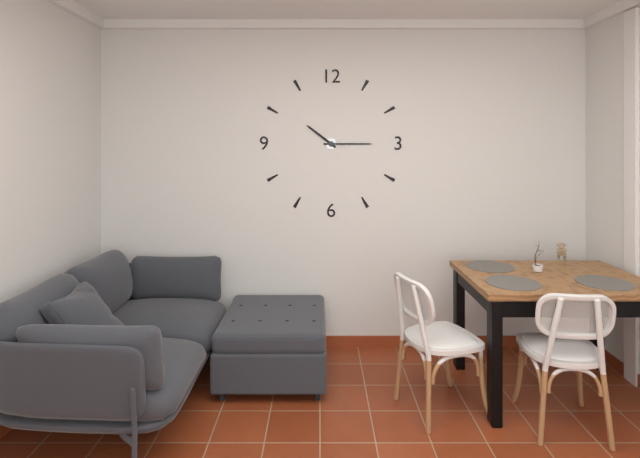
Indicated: **10:15**
